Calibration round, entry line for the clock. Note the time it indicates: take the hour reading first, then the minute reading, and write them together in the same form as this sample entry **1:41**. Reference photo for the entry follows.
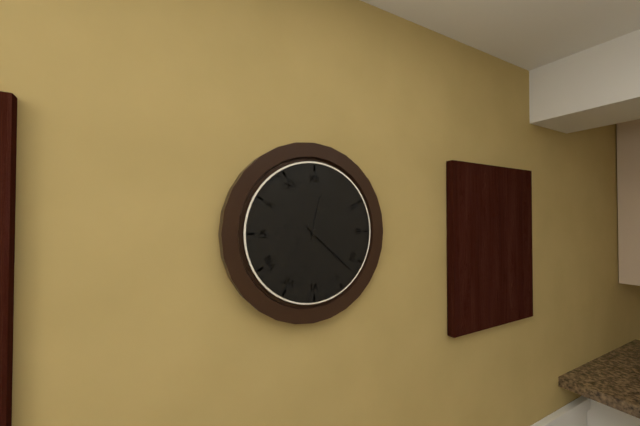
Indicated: **12:22**
